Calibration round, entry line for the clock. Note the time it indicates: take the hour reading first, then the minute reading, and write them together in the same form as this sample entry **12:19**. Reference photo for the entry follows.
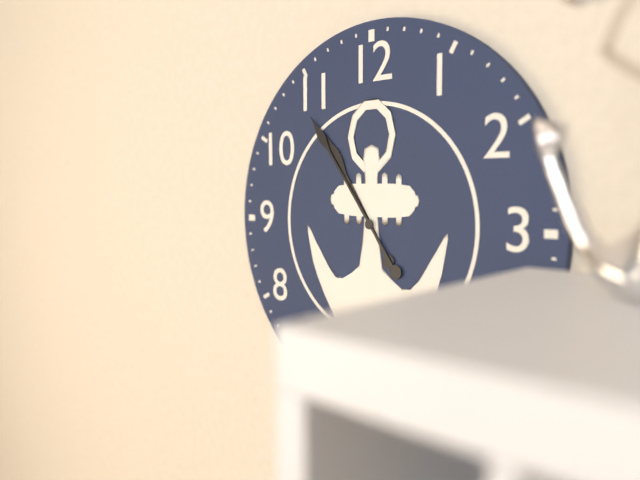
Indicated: **10:54**
